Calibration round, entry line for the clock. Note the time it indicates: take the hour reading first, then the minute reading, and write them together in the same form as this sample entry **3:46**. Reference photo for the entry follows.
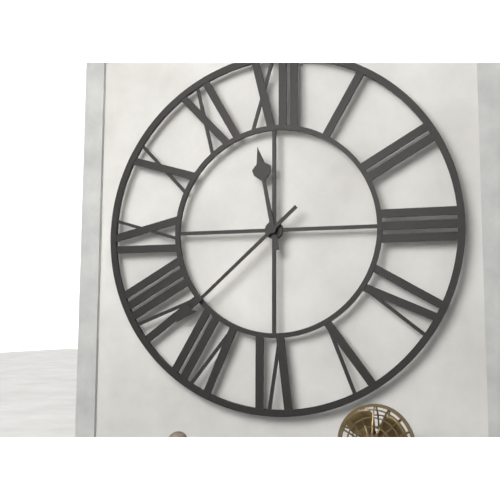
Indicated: **11:38**
